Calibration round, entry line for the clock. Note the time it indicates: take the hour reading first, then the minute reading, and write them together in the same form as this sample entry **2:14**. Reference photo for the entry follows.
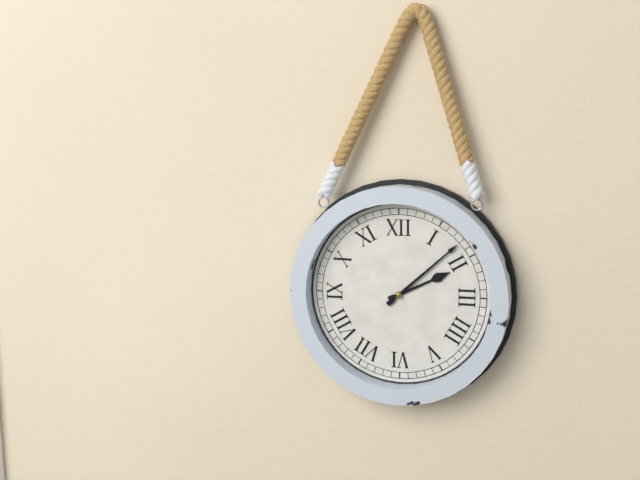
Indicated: **2:08**
